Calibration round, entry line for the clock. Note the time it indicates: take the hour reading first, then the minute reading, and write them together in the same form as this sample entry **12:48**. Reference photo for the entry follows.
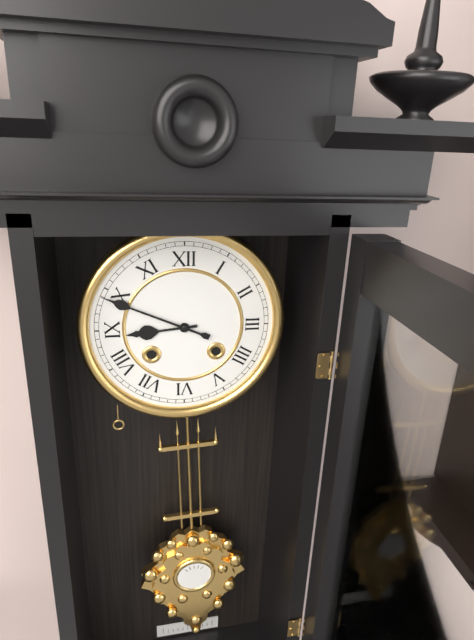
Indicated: **8:49**
